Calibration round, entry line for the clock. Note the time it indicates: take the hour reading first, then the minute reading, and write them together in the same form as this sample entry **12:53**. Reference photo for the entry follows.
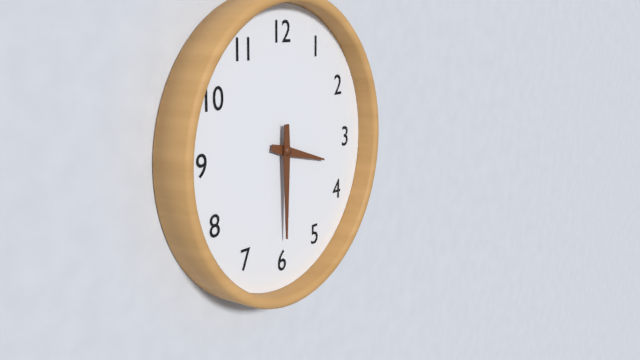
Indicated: **3:30**
